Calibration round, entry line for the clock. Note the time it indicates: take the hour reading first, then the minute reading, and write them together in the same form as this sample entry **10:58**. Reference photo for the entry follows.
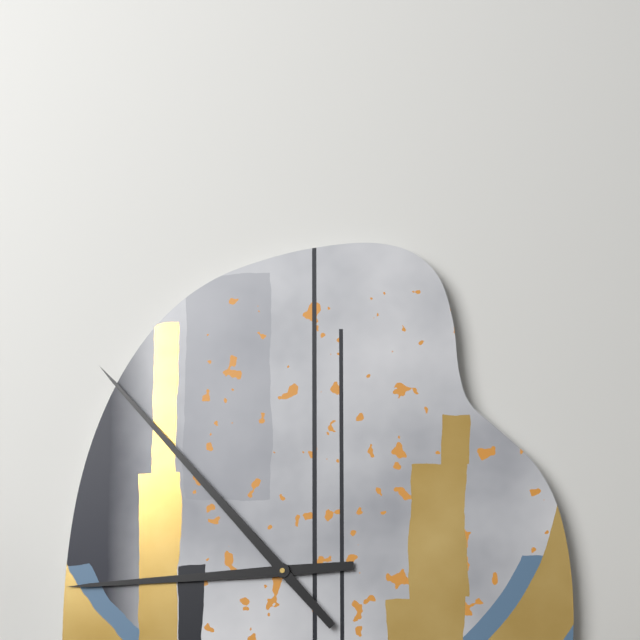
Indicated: **8:53**
